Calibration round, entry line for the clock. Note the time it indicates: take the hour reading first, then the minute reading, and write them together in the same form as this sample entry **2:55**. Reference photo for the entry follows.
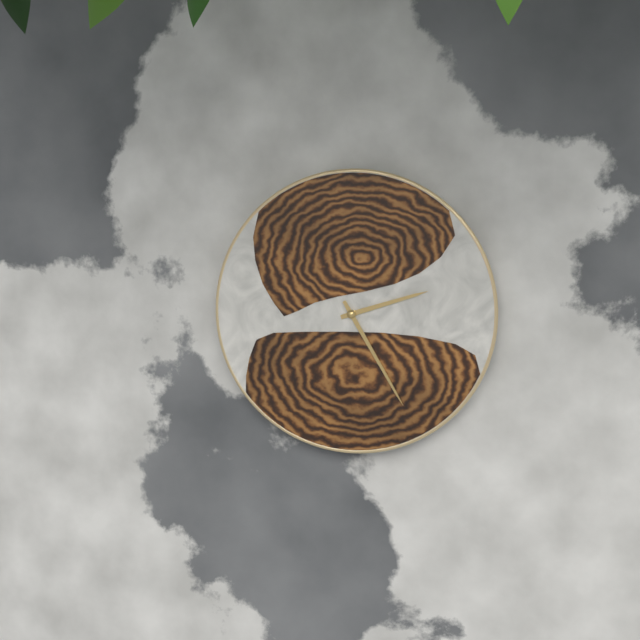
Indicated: **2:25**
